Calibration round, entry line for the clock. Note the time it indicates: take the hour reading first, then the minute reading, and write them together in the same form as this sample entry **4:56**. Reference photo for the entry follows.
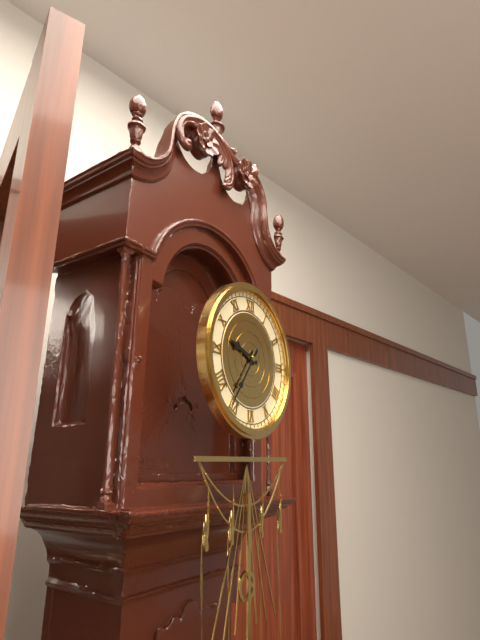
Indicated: **9:36**
